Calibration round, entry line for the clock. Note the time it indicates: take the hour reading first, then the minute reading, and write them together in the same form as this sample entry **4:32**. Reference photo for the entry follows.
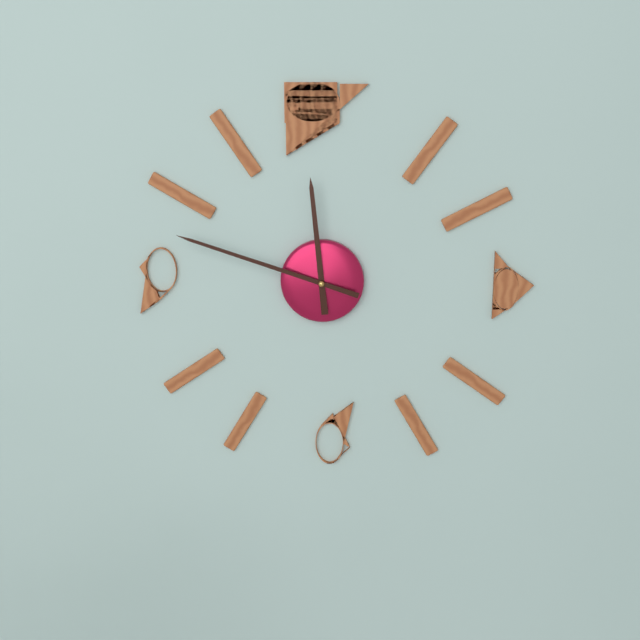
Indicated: **11:48**
